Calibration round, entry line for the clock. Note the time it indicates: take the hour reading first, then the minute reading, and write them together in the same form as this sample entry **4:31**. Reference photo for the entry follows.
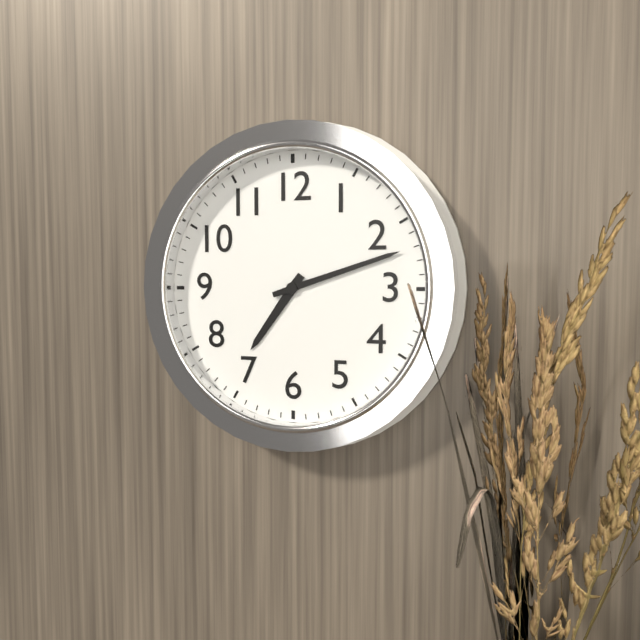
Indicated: **7:12**
